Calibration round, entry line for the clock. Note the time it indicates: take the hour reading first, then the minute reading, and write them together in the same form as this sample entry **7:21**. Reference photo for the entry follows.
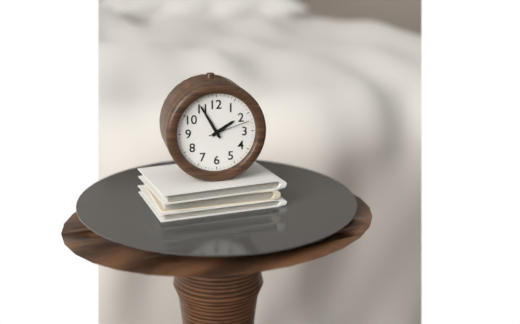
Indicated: **1:55**
